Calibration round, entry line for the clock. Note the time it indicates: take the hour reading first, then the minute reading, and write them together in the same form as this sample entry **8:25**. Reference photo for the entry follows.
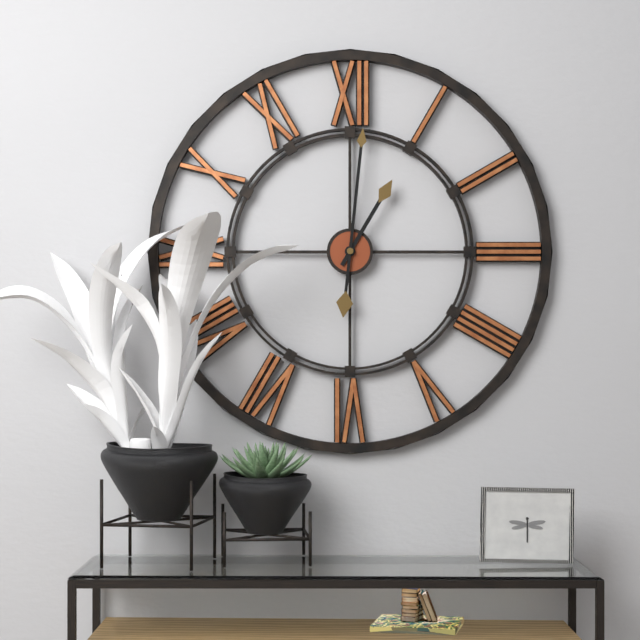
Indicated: **1:01**
